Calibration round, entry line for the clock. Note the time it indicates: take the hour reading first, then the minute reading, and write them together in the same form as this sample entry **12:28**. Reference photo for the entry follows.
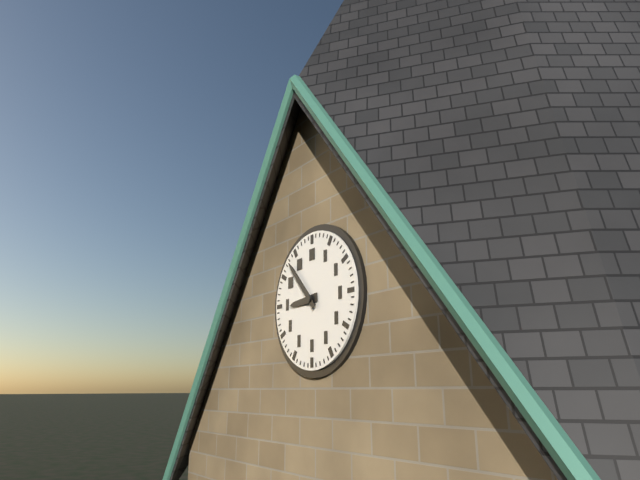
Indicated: **8:53**
